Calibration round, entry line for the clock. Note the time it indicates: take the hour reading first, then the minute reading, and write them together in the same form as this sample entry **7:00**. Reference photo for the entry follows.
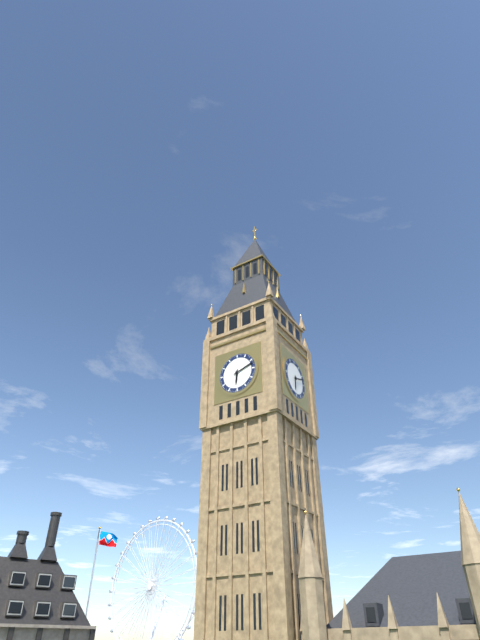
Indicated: **6:12**
